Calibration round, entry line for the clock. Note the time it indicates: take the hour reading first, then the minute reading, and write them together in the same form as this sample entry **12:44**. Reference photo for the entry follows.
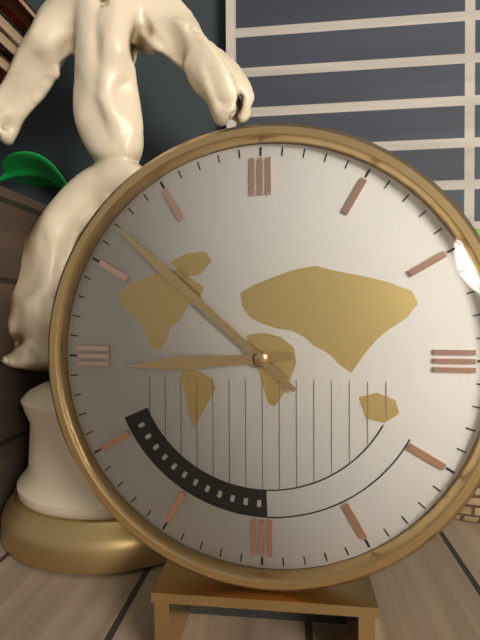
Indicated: **8:52**
